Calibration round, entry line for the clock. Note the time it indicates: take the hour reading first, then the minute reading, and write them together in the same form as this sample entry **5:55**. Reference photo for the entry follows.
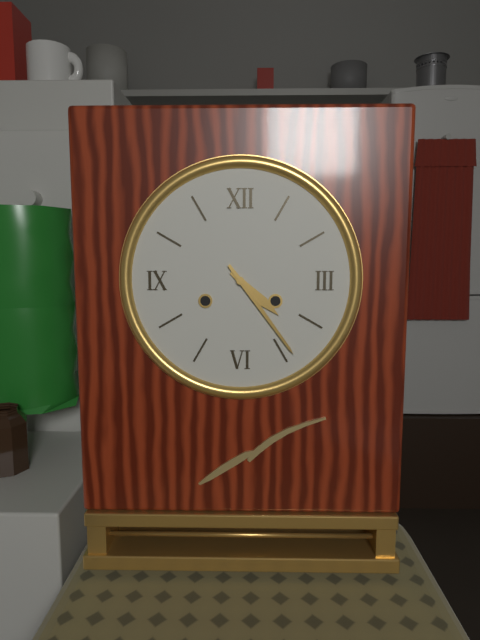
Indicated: **4:24**
